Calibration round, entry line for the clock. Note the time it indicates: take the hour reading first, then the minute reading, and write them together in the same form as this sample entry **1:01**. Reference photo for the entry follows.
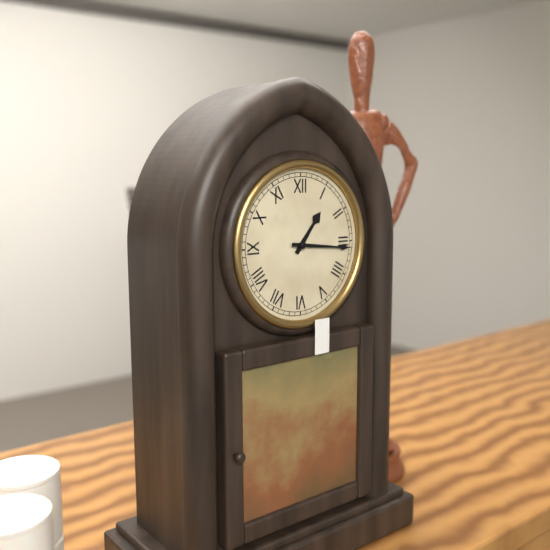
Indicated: **1:16**
